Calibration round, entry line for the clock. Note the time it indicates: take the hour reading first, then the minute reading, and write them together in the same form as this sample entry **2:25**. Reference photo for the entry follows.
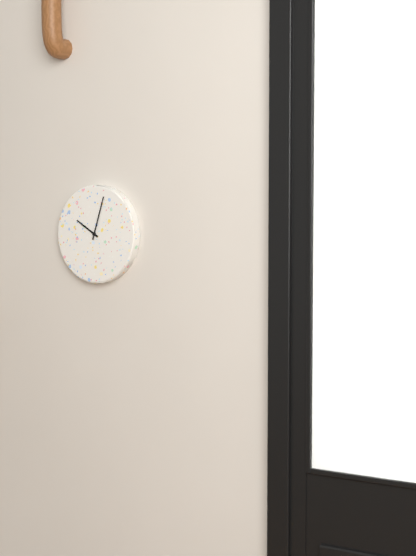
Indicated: **10:03**
